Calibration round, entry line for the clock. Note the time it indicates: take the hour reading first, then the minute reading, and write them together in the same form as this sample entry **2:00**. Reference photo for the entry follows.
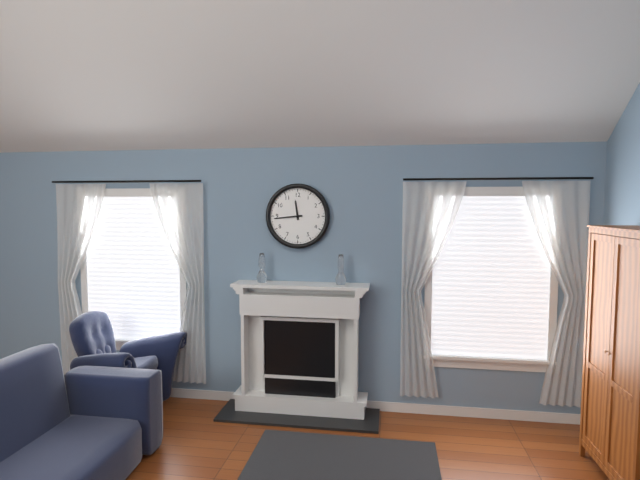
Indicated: **11:44**
